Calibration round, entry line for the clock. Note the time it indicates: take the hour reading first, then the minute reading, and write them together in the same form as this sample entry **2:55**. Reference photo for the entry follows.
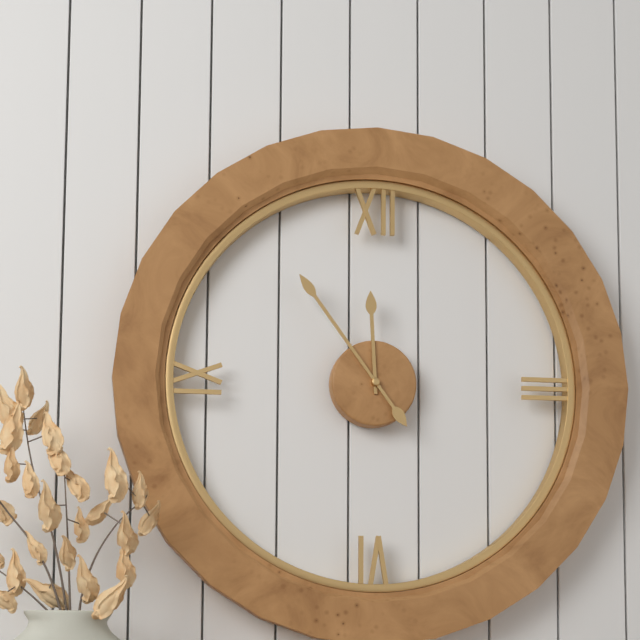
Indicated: **11:54**
